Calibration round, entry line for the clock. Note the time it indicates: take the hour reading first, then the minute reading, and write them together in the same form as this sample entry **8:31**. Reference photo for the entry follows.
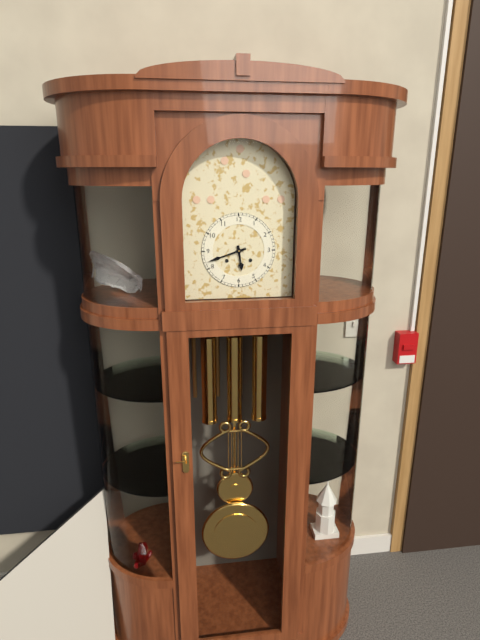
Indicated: **5:42**
